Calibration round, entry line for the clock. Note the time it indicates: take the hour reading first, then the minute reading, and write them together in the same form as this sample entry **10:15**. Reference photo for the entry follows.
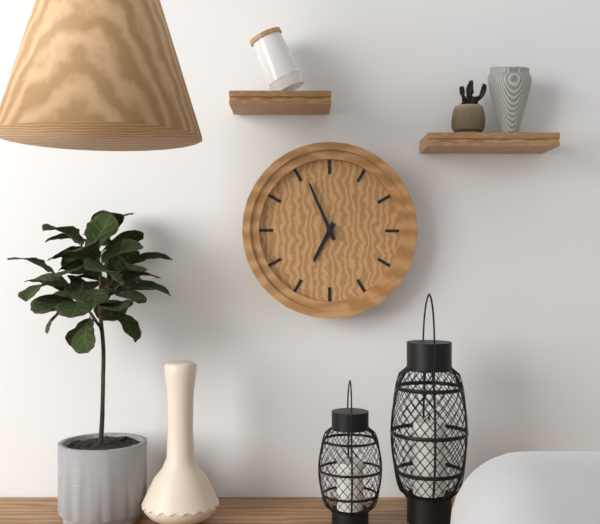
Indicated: **6:56**
